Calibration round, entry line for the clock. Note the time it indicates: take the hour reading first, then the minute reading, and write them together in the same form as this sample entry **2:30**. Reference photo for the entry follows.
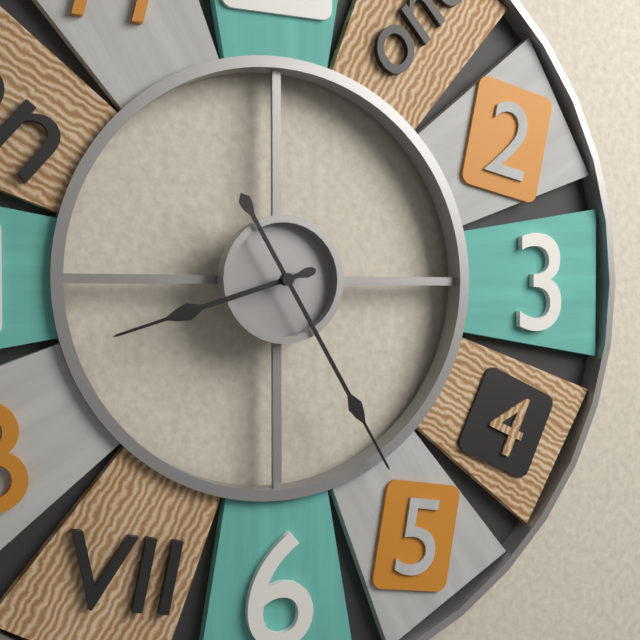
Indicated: **8:25**
